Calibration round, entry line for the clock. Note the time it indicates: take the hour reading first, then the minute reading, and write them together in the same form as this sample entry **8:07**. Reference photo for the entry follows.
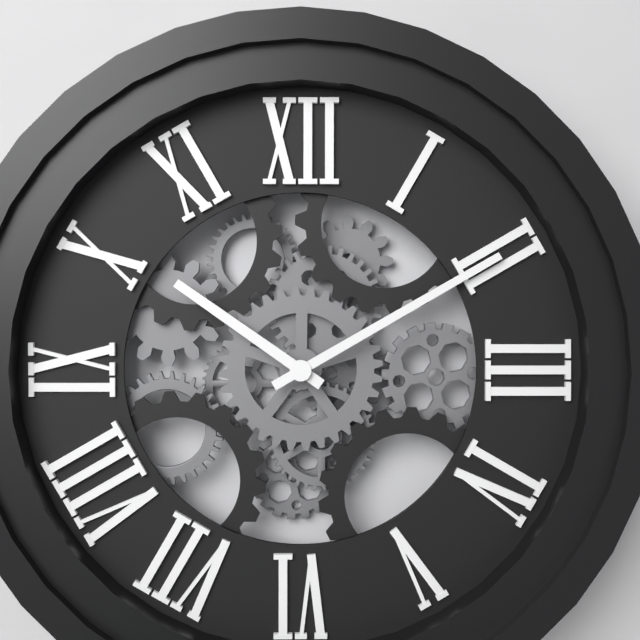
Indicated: **10:10**
